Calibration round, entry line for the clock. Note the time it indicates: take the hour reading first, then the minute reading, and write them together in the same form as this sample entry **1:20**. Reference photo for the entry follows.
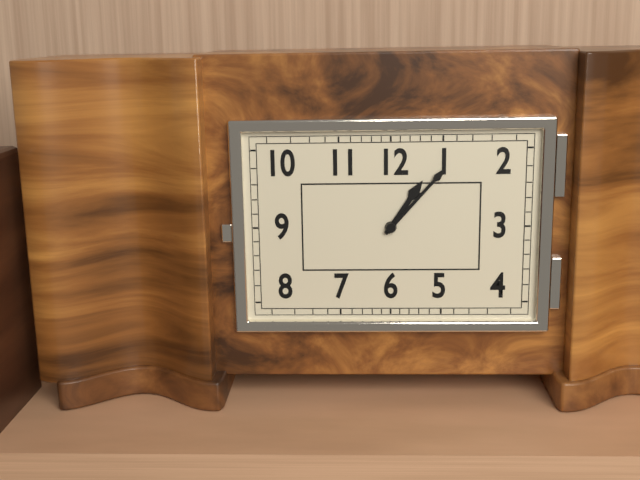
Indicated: **1:07**
